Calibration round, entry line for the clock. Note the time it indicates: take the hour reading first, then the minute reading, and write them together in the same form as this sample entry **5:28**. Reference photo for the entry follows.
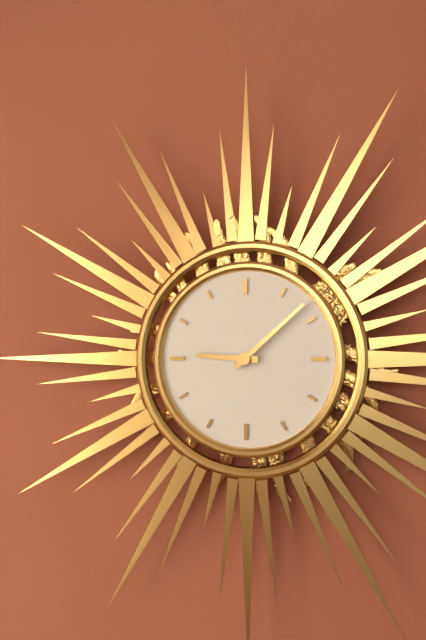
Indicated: **9:08**
